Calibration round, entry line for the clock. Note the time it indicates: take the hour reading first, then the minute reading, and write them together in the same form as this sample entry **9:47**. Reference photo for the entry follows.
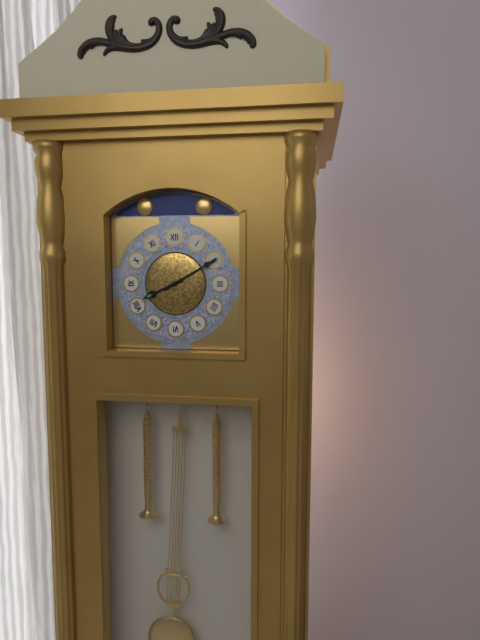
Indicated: **8:10**
